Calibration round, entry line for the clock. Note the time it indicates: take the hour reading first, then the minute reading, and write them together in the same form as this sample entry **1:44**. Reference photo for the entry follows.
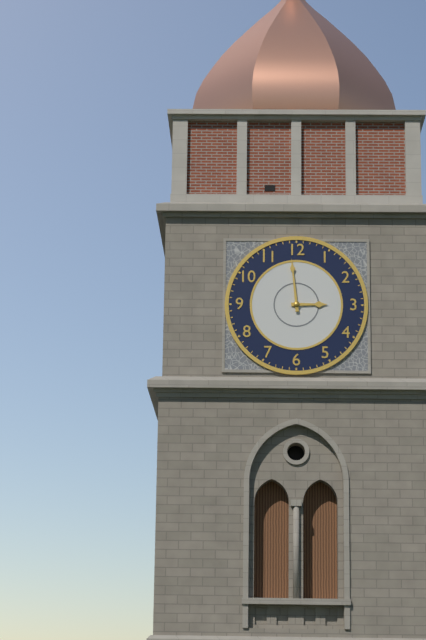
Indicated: **2:59**
